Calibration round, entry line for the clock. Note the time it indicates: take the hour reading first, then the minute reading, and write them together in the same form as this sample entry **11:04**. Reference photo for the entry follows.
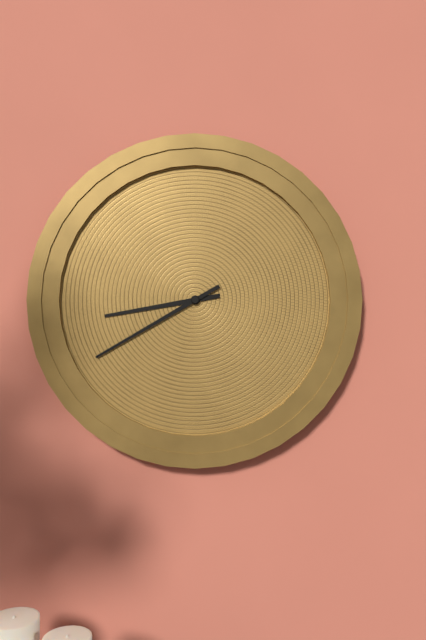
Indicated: **8:40**
